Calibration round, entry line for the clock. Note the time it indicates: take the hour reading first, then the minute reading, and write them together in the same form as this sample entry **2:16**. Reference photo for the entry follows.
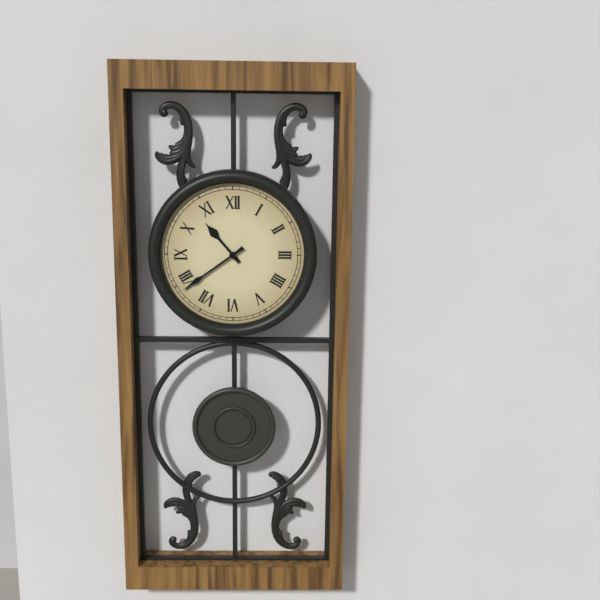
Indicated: **10:39**
